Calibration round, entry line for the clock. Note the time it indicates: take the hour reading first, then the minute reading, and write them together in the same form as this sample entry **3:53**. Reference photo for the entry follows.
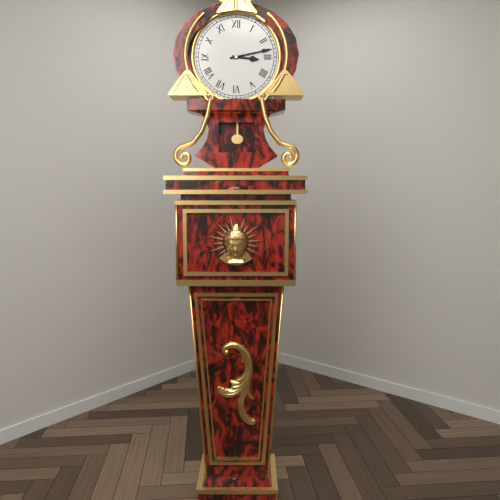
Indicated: **3:13**
